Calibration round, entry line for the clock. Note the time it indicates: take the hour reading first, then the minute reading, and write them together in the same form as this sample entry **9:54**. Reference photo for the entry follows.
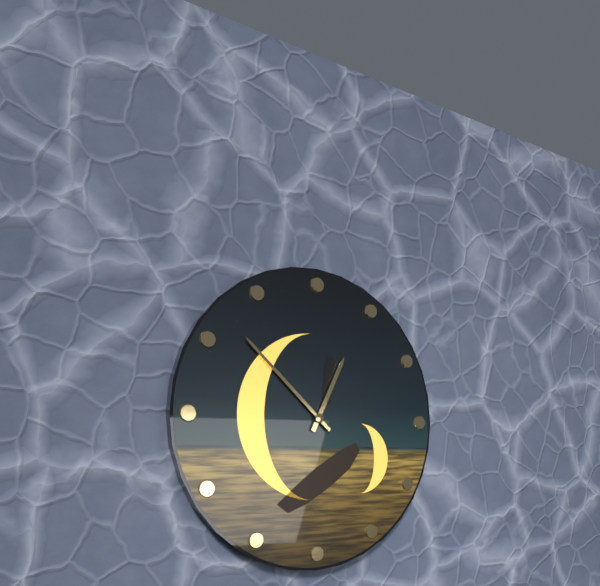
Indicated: **12:52**
